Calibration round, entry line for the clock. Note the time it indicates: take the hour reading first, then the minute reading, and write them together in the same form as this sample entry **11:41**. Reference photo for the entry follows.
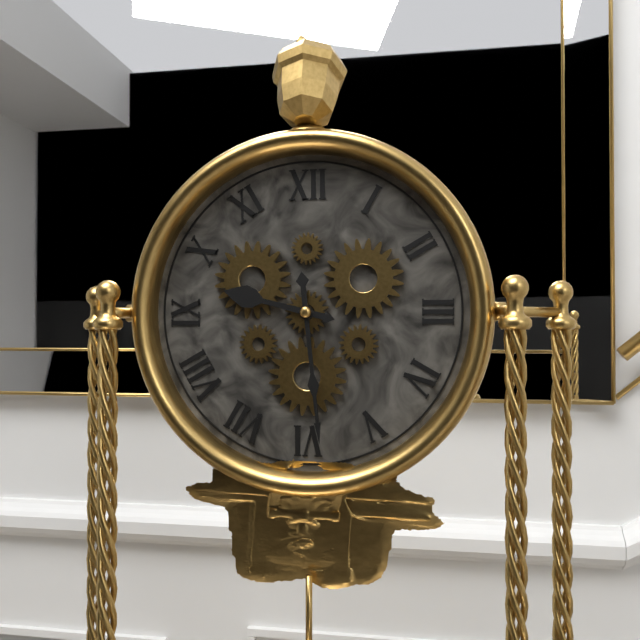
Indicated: **9:29**
